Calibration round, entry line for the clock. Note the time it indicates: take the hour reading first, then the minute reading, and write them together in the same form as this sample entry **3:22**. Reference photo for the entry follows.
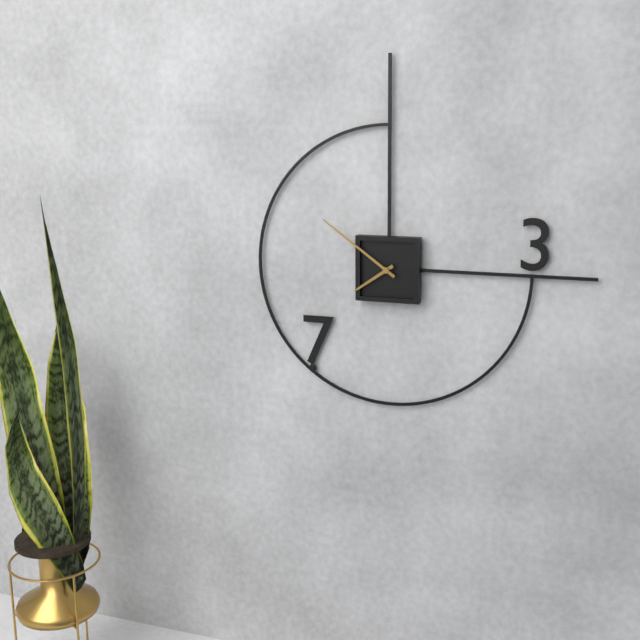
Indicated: **7:51**
